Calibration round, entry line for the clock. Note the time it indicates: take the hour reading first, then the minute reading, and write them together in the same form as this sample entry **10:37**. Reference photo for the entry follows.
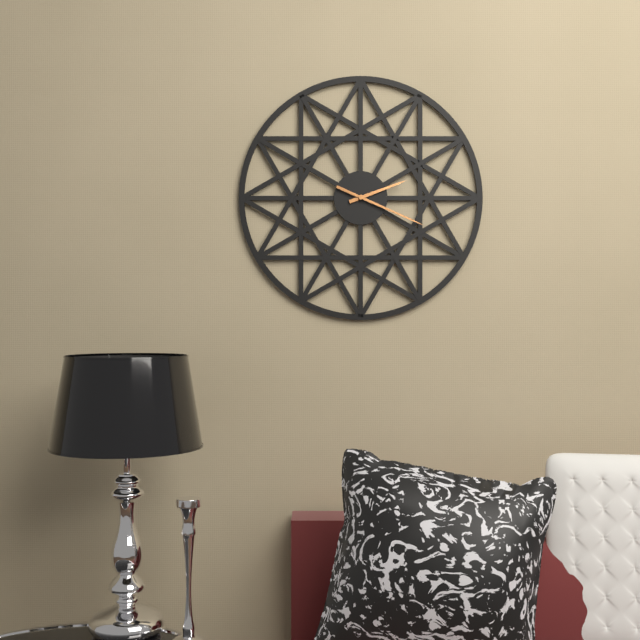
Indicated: **2:19**
